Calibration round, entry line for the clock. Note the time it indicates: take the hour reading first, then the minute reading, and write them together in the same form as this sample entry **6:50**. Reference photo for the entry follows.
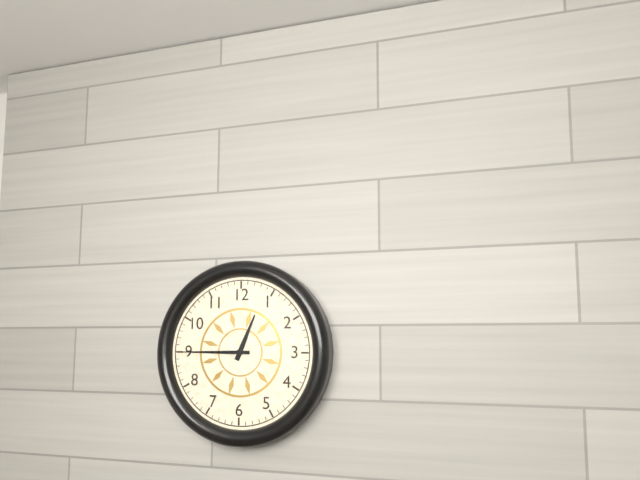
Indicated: **12:45**
